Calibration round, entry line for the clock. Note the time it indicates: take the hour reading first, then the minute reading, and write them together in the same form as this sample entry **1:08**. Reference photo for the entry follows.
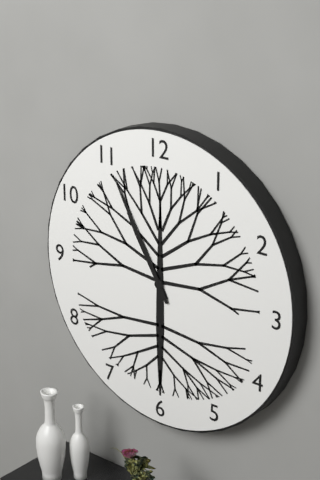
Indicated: **10:55**
